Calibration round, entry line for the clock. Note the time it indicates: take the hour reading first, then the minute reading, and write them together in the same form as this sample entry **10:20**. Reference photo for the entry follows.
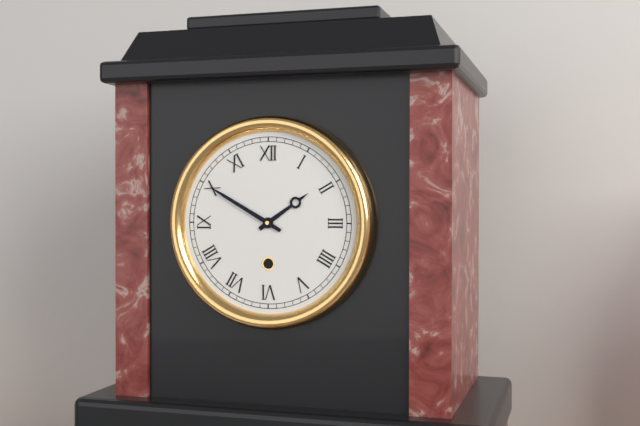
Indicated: **1:50**
